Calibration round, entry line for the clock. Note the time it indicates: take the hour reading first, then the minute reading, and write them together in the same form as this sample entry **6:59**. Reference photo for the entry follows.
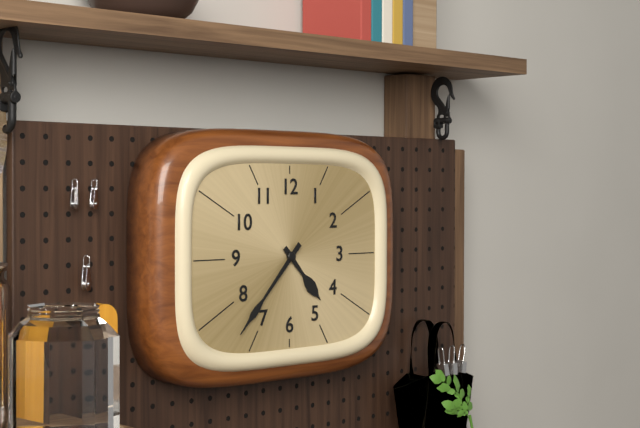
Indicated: **4:37**
